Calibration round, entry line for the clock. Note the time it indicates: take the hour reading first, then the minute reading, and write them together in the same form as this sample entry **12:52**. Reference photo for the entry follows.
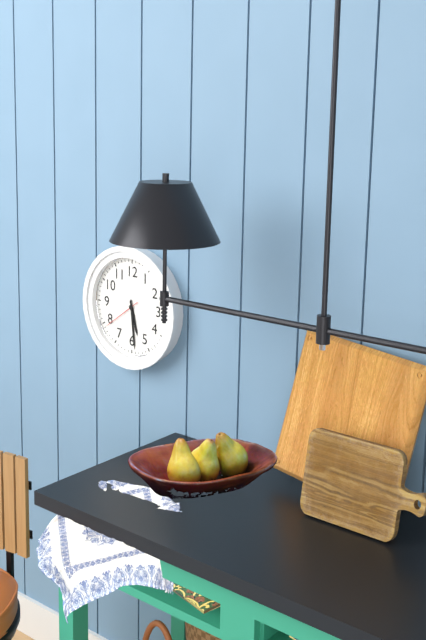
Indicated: **5:29**
